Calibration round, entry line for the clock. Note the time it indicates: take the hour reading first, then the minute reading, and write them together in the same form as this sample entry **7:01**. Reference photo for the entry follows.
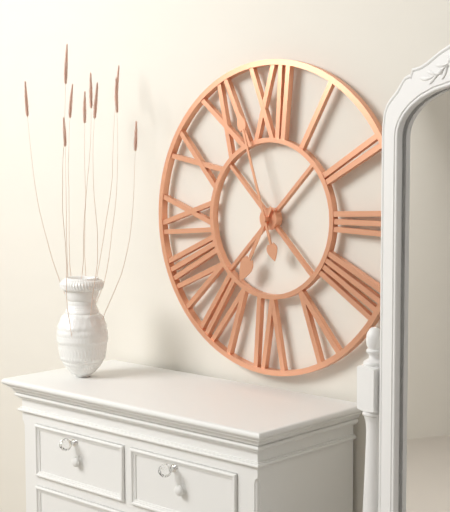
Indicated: **6:57**
